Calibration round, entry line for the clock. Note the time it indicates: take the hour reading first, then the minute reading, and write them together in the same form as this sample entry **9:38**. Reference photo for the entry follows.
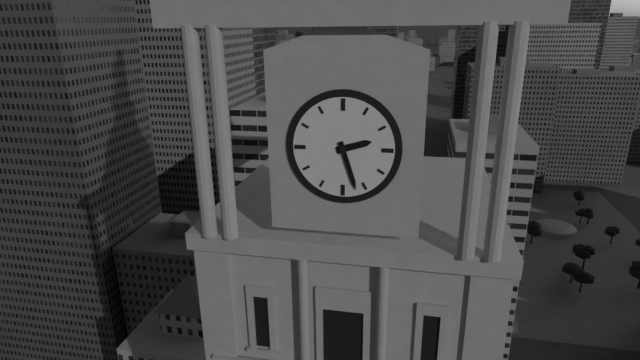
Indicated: **2:27**
